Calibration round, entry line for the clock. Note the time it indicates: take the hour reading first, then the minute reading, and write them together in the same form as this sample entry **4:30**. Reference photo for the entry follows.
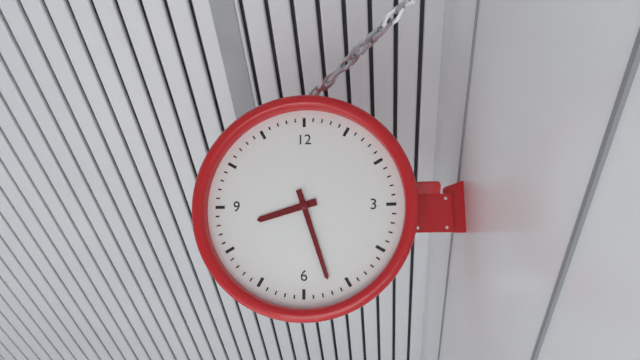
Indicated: **8:27**
